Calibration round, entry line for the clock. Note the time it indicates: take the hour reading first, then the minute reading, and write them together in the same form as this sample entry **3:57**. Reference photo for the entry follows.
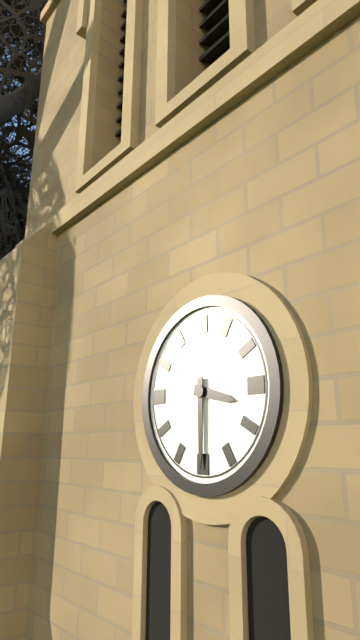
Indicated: **3:30**
